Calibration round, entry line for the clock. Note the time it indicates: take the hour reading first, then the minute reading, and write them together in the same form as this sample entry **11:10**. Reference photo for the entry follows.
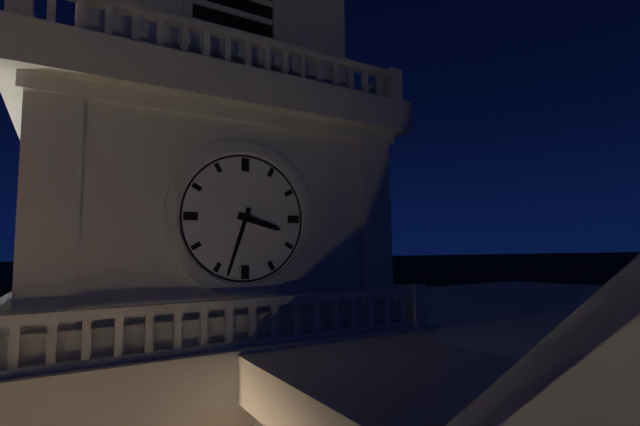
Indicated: **3:33**
